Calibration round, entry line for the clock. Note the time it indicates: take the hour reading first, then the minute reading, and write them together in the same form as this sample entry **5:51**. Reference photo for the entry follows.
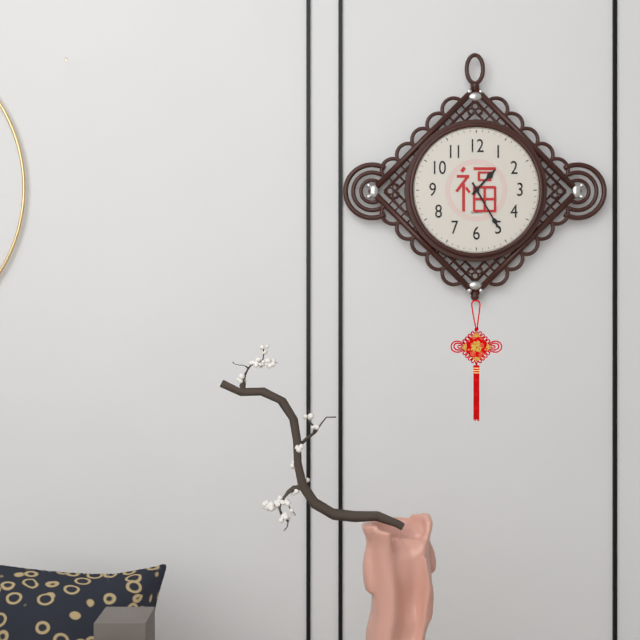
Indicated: **1:25**
